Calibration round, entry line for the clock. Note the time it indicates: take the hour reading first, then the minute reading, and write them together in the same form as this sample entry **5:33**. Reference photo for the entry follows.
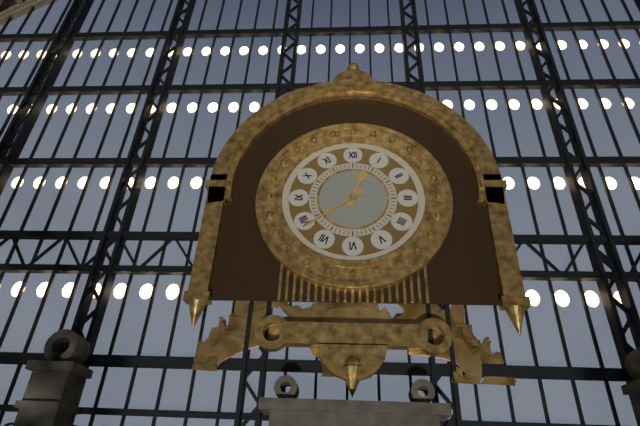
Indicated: **12:39**
